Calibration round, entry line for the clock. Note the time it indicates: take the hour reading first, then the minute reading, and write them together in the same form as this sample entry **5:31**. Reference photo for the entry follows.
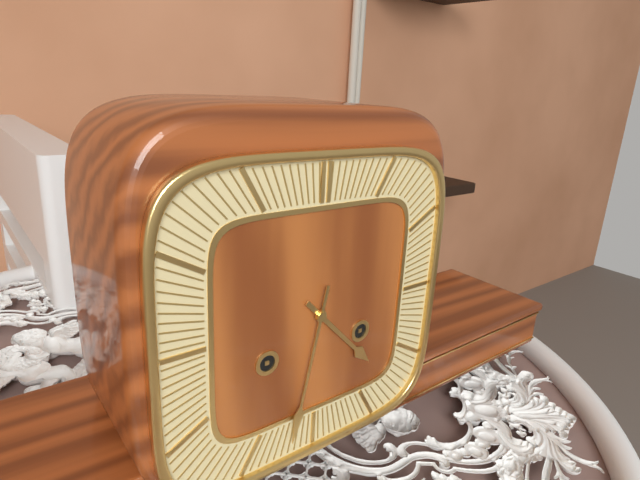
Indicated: **4:32**
